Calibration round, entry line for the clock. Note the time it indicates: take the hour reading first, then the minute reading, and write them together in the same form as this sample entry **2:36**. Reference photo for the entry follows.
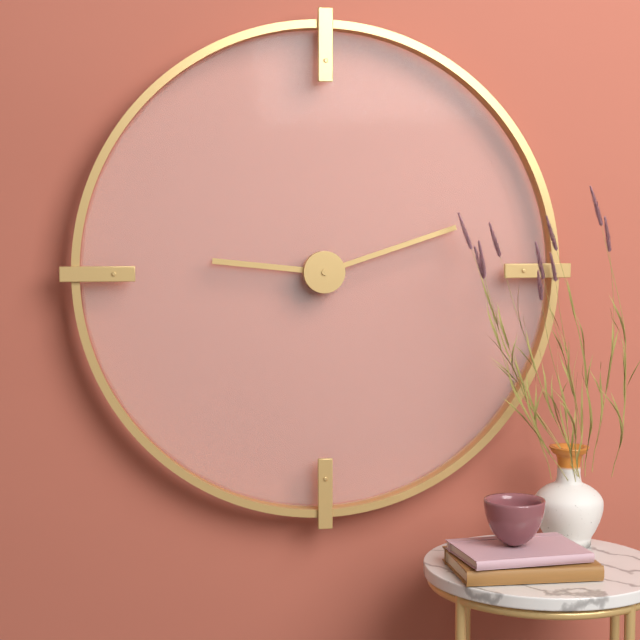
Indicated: **9:12**
